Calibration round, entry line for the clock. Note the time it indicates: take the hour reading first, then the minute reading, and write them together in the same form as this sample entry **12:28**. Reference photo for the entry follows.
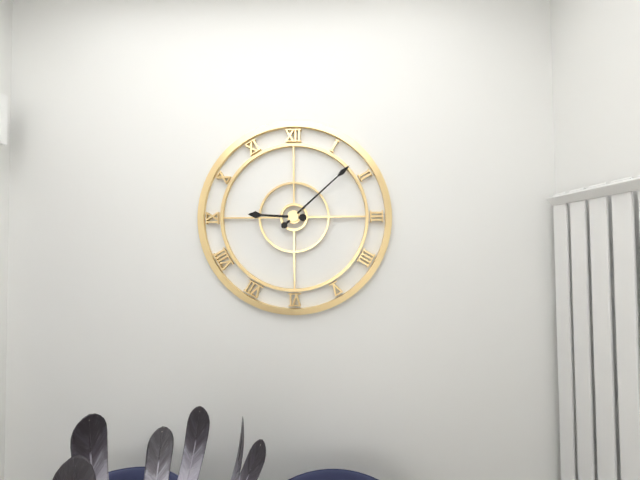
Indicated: **9:08**
